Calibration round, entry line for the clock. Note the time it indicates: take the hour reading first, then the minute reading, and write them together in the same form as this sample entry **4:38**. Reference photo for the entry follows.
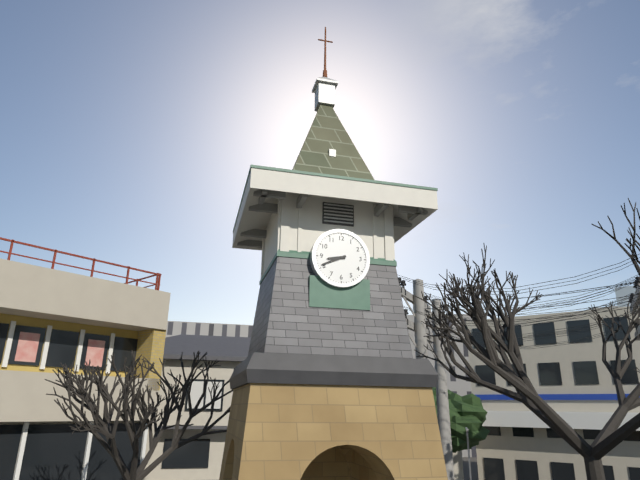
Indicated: **8:41**
